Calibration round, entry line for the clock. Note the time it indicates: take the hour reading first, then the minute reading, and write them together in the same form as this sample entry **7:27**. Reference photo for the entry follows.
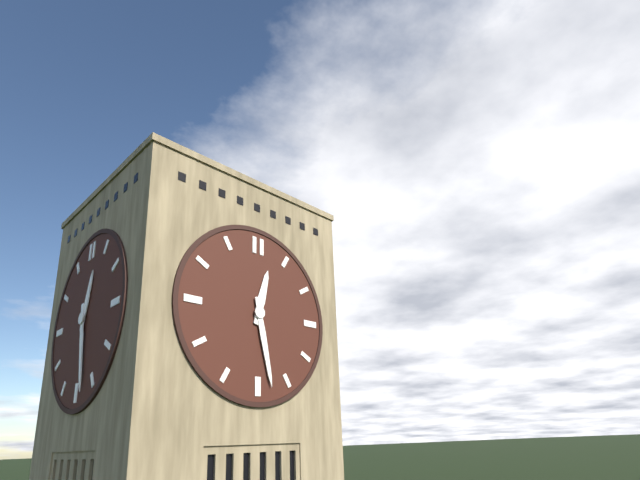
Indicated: **12:28**
